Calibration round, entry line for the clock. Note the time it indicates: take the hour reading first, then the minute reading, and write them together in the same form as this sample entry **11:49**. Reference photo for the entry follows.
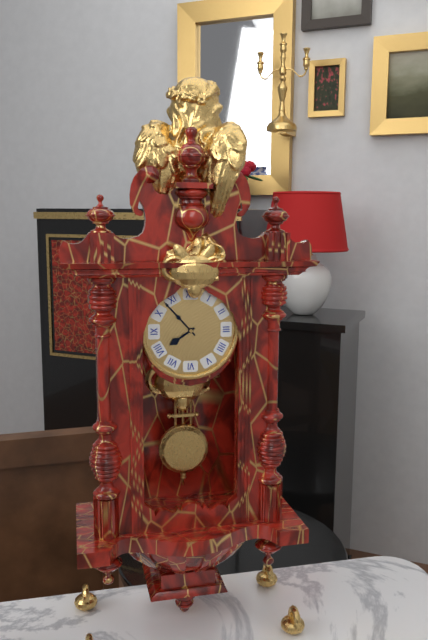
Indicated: **7:53**
